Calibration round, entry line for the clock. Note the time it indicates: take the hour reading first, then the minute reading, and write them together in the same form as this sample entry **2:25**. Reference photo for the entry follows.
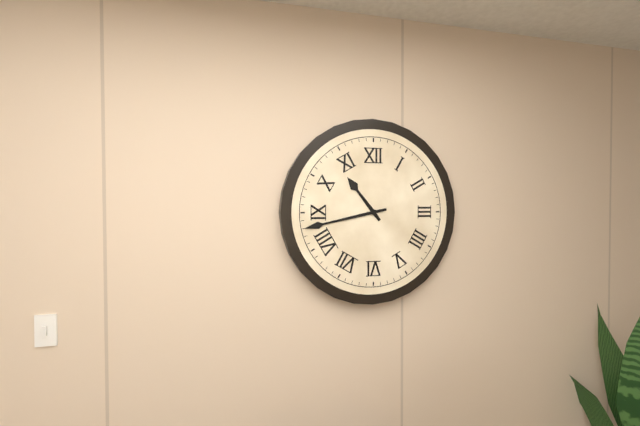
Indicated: **10:43**
